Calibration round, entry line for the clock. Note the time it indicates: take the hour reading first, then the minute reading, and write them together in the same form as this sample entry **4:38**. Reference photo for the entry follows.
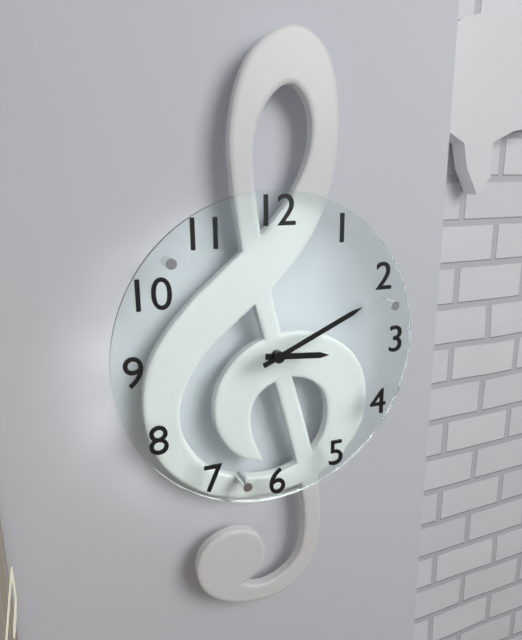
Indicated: **3:11**
